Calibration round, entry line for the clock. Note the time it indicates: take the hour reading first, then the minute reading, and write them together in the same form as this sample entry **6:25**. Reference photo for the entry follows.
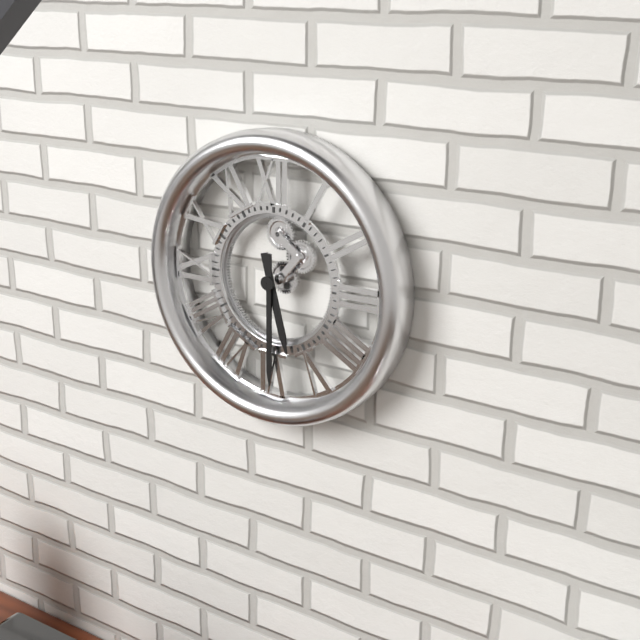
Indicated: **5:30**
